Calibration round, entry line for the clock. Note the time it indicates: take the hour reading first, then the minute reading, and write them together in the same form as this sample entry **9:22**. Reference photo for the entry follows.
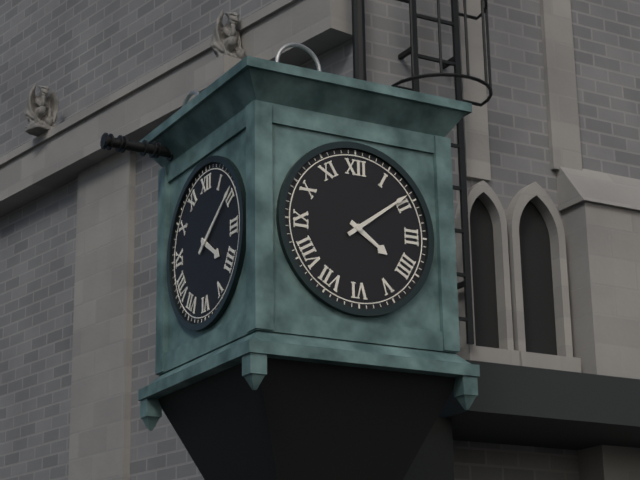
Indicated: **4:09**
